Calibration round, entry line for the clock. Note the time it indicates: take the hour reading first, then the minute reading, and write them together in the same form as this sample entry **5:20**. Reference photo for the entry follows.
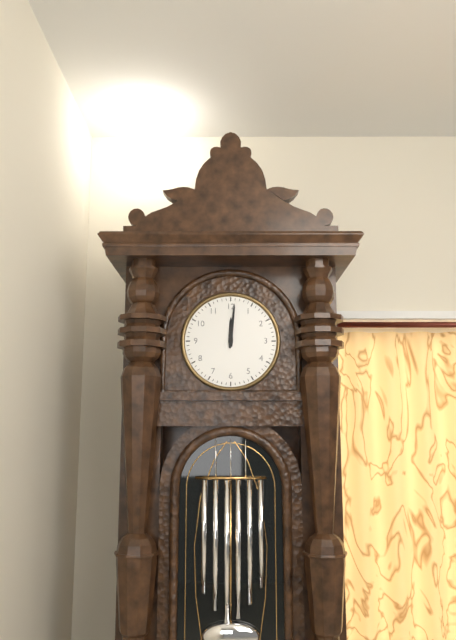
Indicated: **12:01**
